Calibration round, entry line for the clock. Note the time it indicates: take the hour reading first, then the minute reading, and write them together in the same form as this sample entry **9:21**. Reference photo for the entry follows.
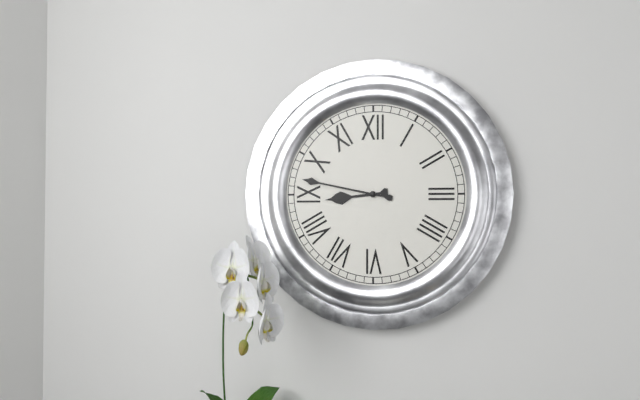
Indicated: **8:47**
